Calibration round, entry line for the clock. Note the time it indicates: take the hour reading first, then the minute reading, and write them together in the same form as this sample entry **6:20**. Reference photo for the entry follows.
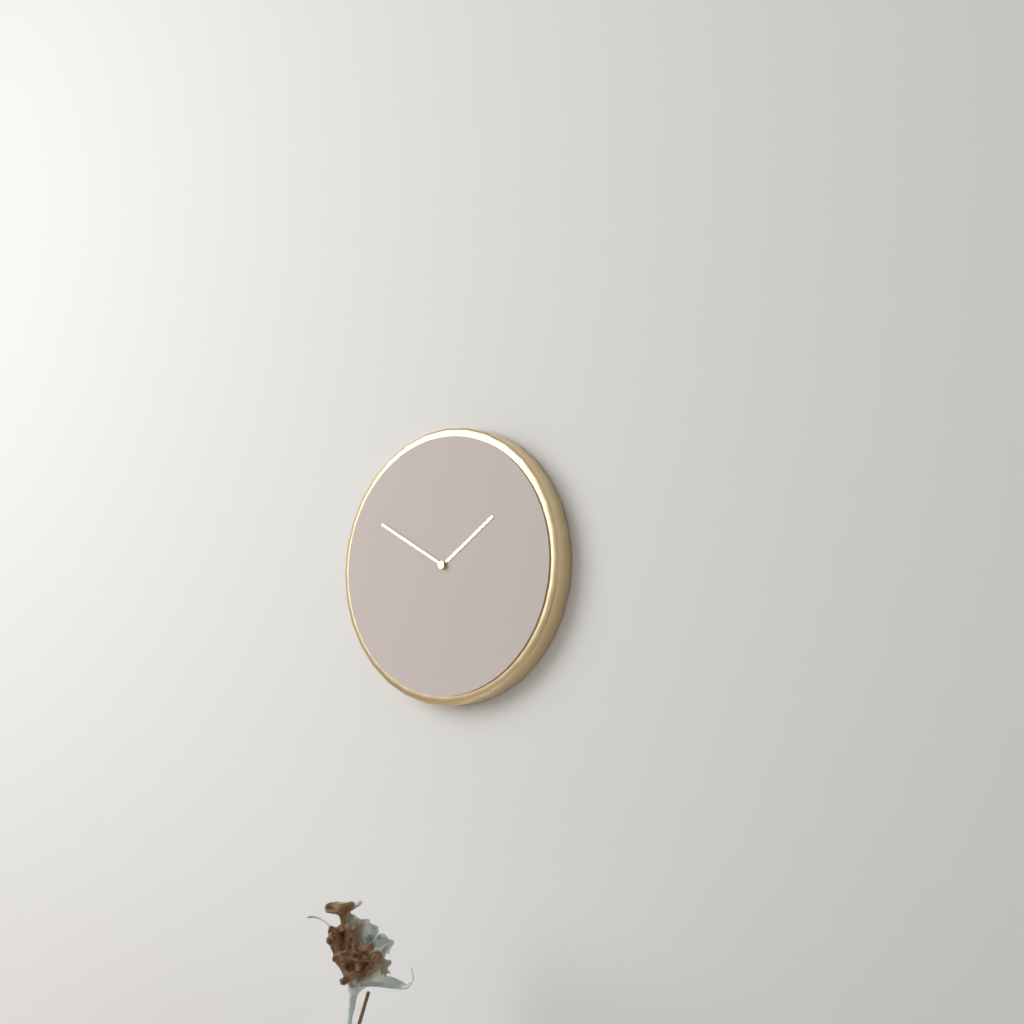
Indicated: **1:50**
